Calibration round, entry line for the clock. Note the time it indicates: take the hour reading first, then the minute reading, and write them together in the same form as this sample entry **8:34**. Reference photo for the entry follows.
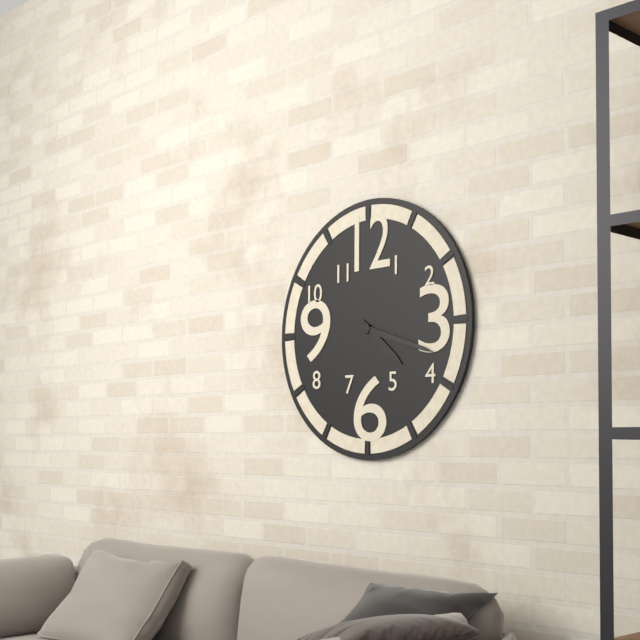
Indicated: **4:18**
